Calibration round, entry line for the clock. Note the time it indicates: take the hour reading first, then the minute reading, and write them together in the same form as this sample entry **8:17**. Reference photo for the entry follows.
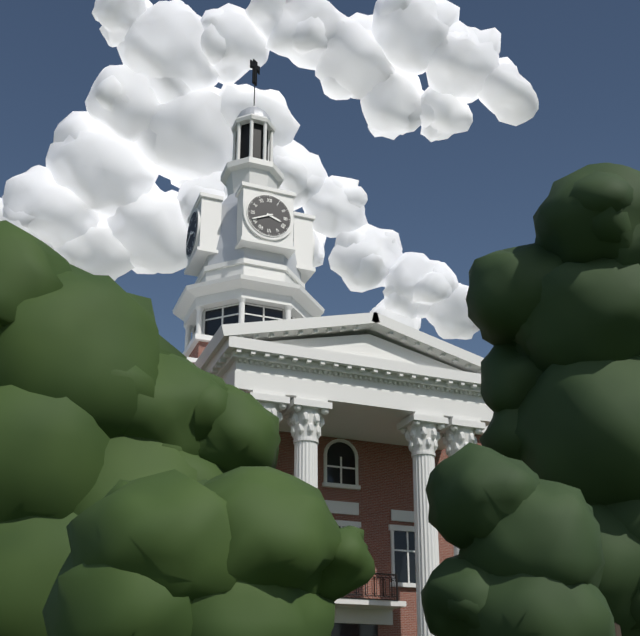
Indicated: **3:41**
